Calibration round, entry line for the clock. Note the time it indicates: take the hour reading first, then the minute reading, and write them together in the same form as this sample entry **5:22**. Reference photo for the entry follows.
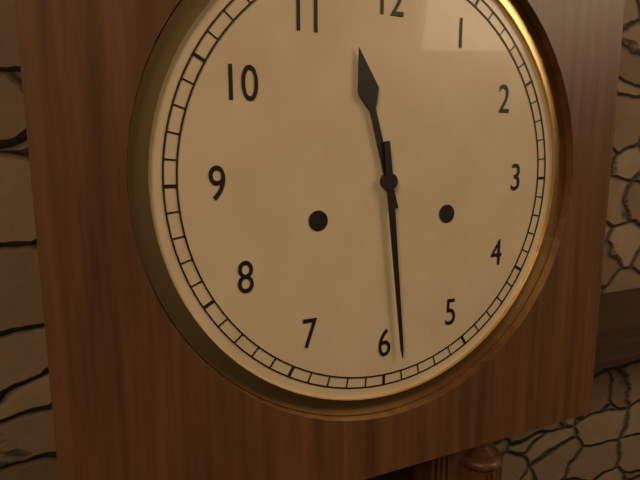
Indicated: **11:29**
